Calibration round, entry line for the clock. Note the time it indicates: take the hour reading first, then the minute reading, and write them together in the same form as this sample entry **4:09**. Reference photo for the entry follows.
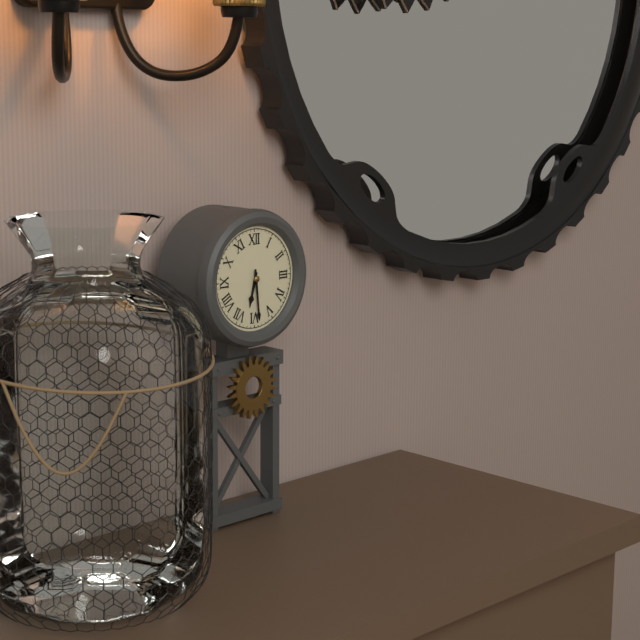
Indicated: **6:29**
